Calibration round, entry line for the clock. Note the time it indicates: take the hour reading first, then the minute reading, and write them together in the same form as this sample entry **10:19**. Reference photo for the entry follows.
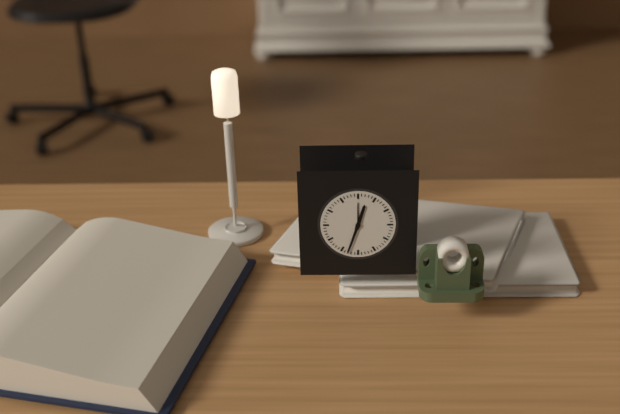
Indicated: **12:33**
